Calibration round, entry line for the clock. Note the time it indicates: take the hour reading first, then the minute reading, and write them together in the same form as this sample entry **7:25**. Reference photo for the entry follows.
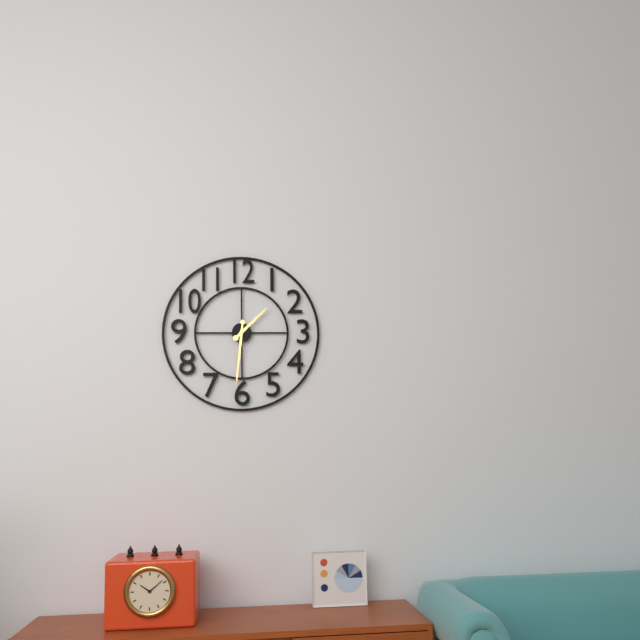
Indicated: **1:31**
